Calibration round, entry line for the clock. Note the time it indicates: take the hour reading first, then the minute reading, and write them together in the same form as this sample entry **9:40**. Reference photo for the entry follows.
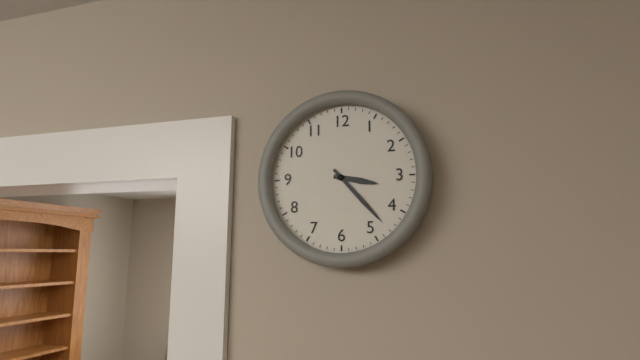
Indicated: **3:23**
